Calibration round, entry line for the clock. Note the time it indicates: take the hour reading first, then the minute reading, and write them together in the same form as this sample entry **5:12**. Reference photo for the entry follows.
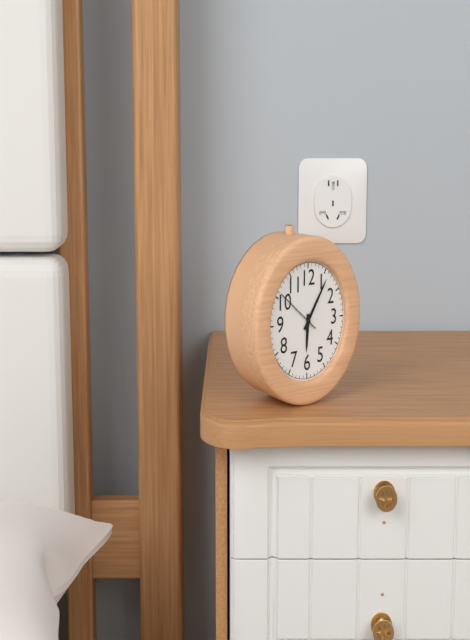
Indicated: **6:06**
